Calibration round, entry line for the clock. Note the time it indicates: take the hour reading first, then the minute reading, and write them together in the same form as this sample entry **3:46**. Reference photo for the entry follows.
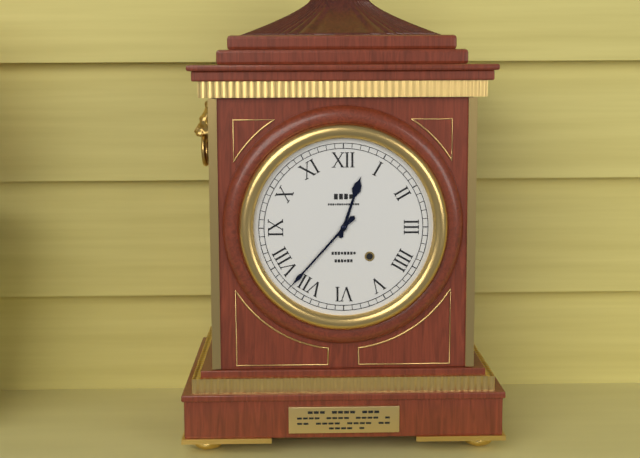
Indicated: **12:37**
